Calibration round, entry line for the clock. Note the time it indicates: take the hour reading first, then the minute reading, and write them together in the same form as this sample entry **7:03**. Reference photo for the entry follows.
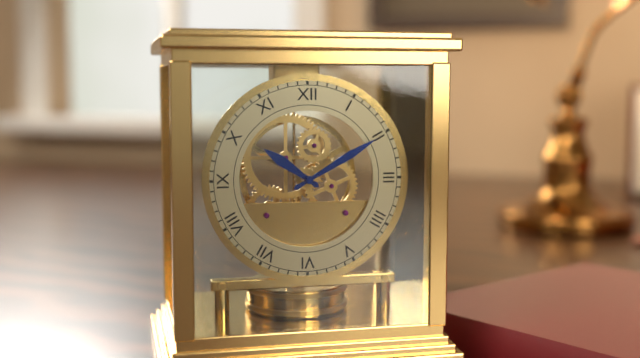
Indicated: **10:10**
